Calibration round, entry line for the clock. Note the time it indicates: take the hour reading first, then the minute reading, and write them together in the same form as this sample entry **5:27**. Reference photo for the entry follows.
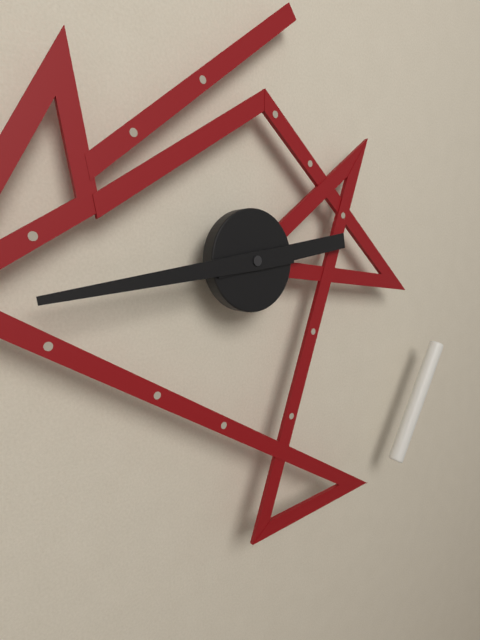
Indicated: **2:44**
